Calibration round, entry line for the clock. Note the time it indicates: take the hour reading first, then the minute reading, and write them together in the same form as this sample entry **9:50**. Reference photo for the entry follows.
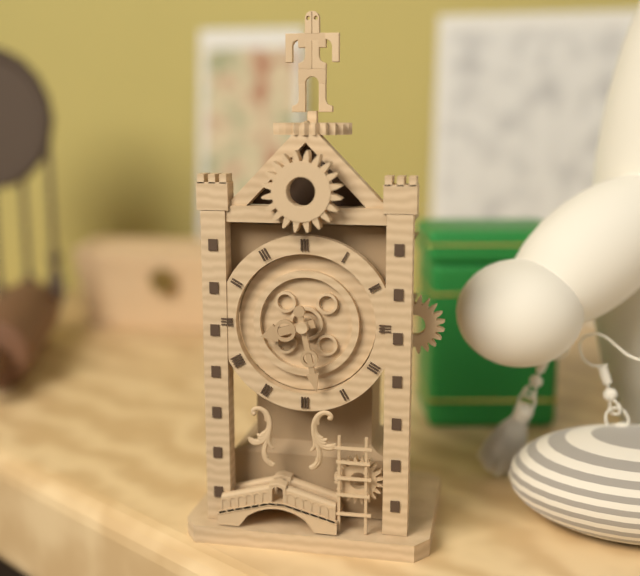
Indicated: **8:28**
